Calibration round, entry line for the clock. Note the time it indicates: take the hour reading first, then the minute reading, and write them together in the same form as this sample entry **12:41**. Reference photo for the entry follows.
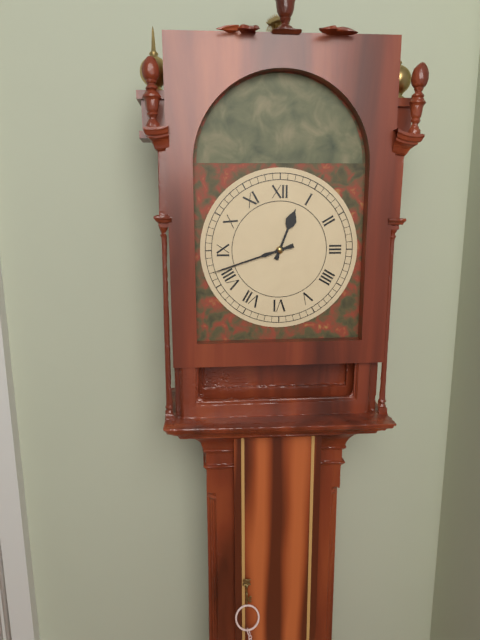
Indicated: **12:42**
